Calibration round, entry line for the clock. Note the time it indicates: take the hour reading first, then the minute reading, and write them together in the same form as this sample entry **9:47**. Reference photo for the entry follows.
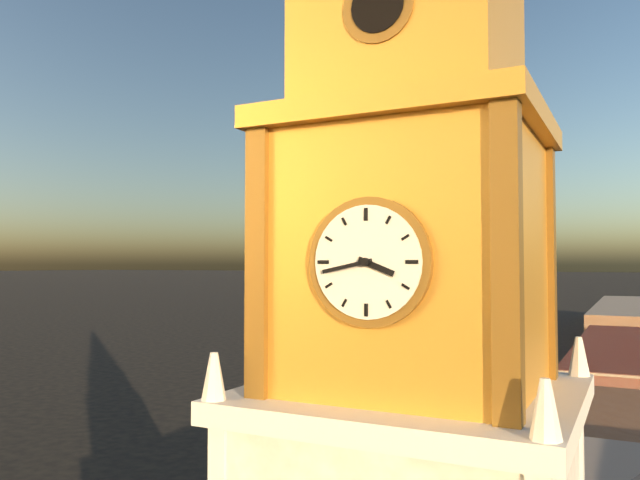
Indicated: **3:43**
